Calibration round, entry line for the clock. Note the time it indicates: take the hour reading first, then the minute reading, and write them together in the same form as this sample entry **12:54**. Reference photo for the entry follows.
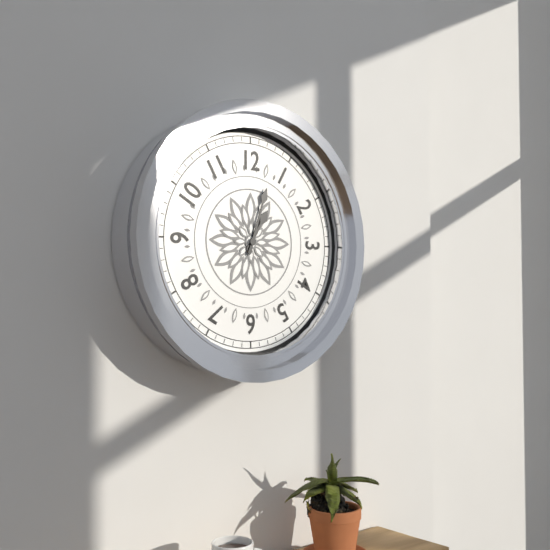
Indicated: **1:03**
